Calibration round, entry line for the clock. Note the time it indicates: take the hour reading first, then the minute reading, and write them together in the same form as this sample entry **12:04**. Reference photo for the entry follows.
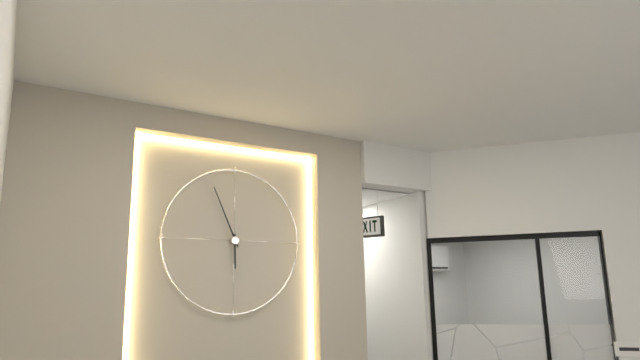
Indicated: **5:56**
